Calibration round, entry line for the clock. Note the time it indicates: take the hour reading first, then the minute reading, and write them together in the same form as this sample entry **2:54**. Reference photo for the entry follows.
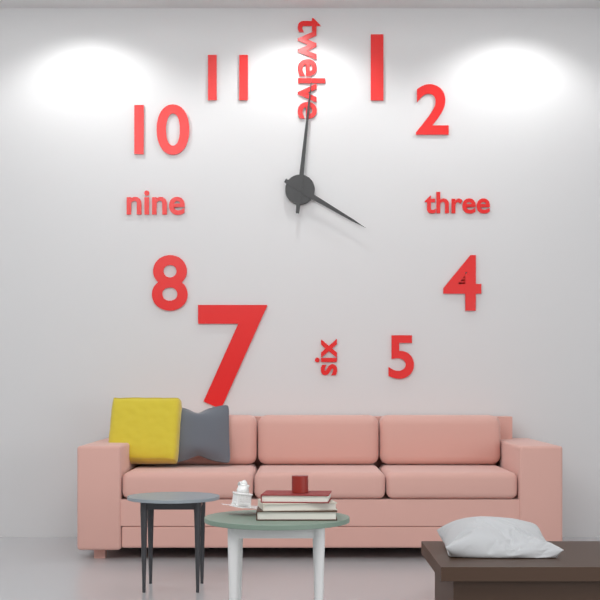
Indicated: **4:01**
